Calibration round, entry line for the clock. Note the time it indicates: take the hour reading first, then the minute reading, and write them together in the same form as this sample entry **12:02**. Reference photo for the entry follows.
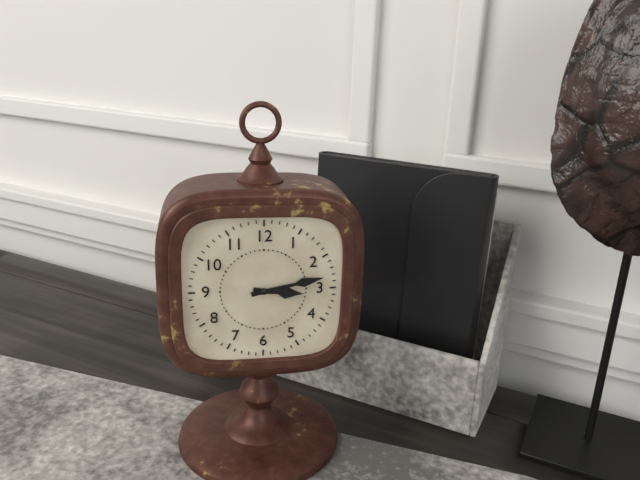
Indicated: **3:13**
